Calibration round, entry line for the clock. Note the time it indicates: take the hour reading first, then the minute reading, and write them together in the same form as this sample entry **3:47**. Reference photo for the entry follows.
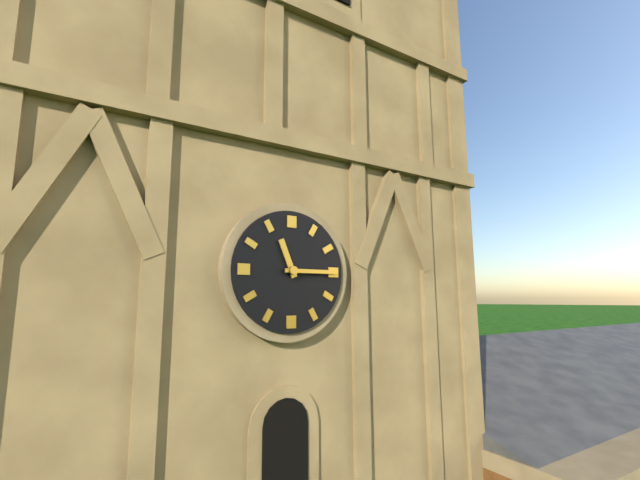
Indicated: **11:15**
